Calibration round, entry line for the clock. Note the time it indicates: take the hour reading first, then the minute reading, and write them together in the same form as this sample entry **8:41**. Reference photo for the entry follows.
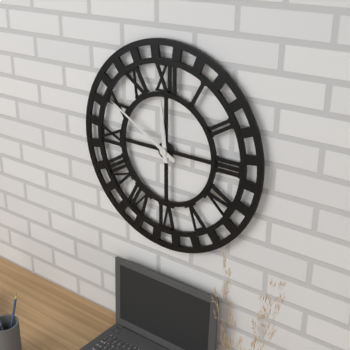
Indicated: **11:50**
